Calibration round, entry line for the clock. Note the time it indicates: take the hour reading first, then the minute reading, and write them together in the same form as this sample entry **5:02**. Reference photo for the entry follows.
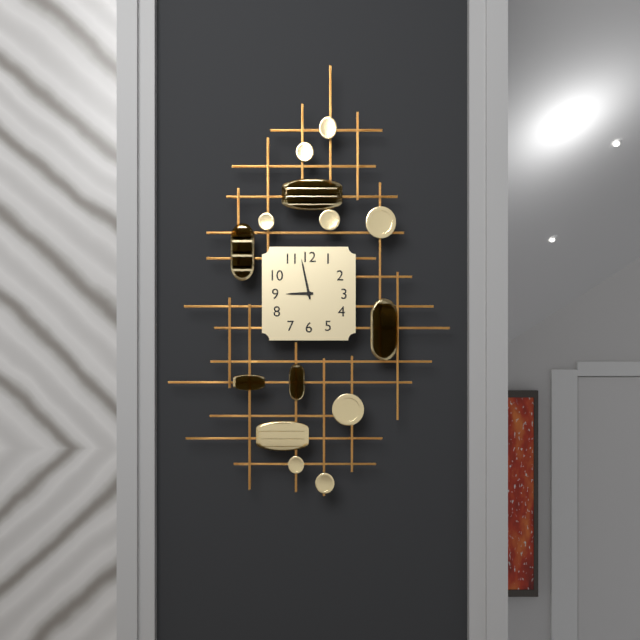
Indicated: **8:58**
